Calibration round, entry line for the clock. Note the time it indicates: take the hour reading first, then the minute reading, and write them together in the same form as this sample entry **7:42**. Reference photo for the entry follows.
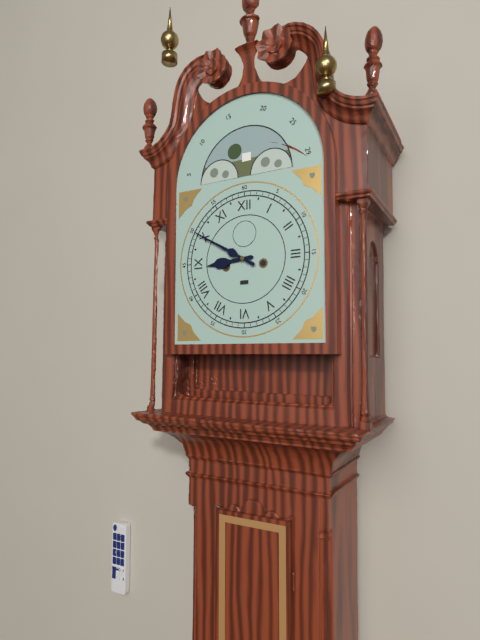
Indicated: **8:50**
